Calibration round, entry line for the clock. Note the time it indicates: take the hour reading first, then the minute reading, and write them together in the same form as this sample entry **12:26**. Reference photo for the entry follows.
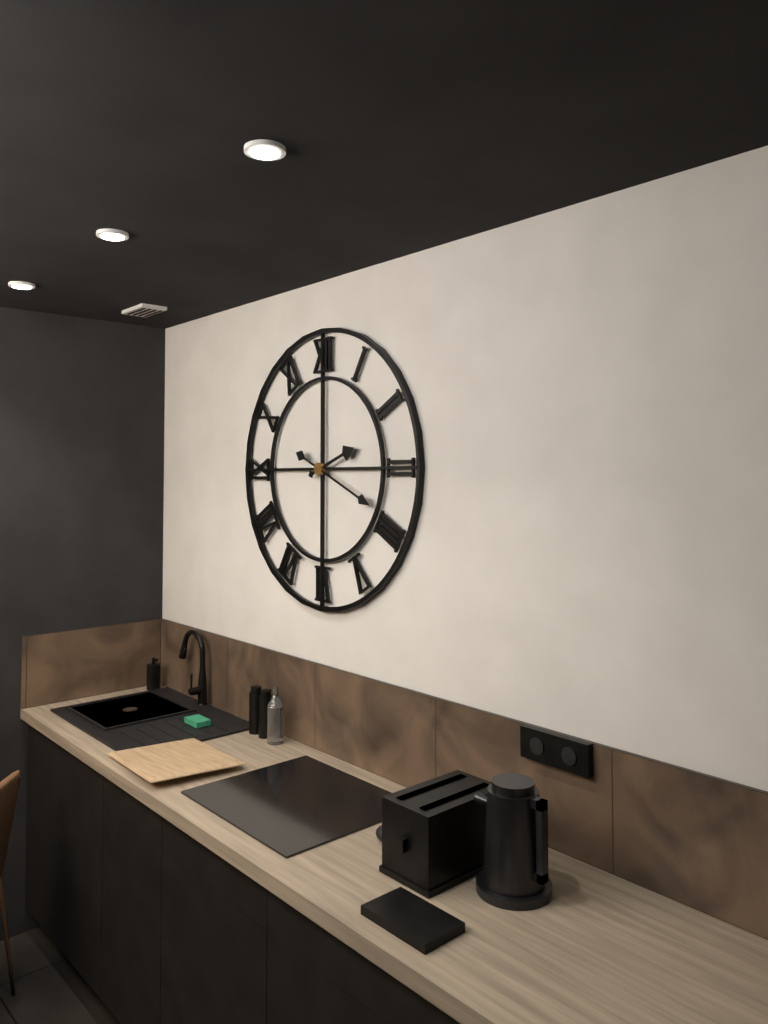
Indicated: **2:19**
